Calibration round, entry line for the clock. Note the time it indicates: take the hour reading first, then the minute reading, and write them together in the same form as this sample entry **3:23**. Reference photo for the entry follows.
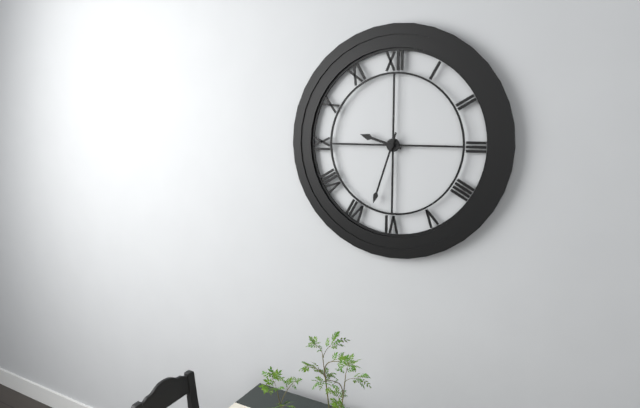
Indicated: **9:33**
